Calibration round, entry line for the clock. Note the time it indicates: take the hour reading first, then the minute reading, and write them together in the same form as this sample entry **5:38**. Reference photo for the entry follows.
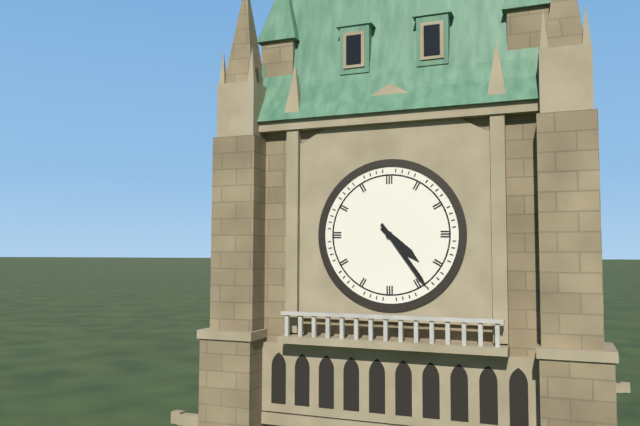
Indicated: **4:24**
